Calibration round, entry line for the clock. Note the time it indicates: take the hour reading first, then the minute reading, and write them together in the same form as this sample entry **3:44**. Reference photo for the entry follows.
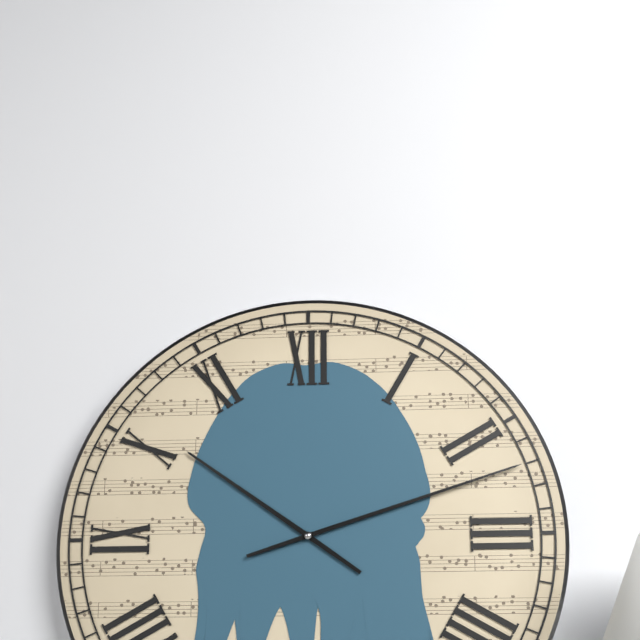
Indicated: **10:12**
